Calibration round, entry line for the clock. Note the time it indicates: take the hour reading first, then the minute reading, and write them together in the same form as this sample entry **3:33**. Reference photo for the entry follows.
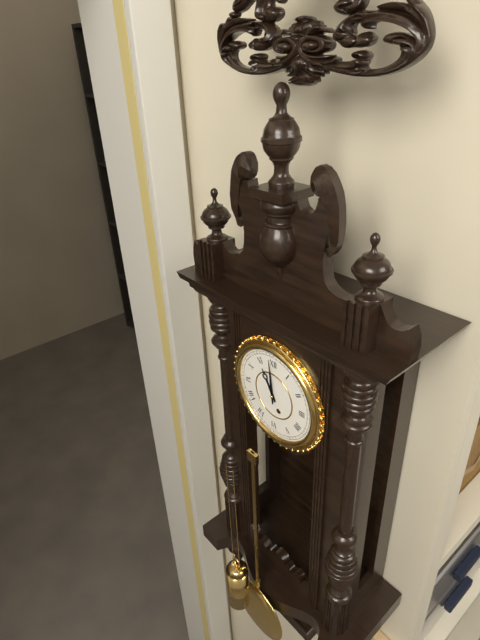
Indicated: **10:59**
